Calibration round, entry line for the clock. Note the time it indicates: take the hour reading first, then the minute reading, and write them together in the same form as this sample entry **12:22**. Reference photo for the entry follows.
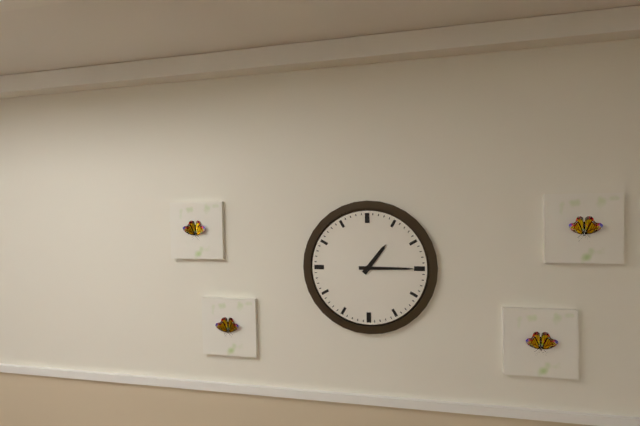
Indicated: **1:15**
